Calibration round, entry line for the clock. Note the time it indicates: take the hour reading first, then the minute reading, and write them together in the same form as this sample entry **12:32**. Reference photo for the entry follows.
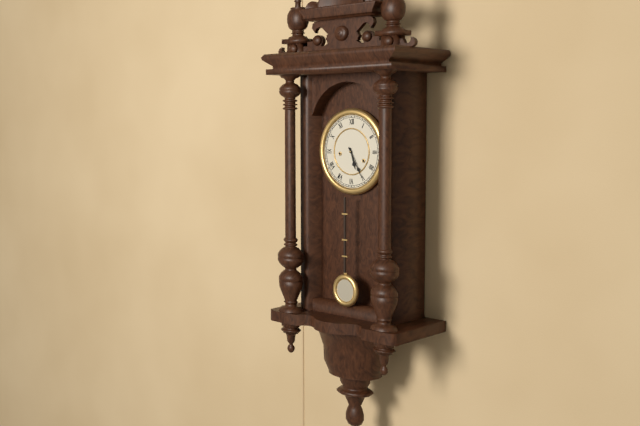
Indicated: **5:25**
